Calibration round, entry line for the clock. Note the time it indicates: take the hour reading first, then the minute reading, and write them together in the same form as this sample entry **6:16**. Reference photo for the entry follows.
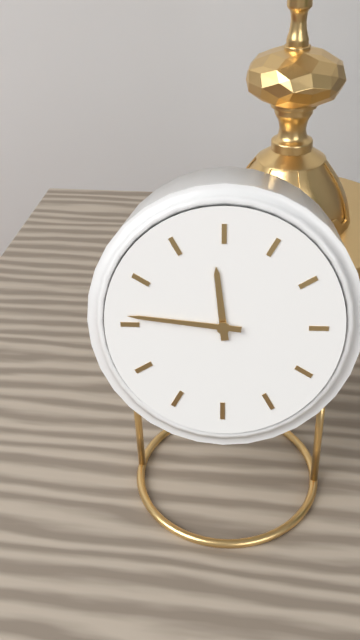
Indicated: **11:46**
